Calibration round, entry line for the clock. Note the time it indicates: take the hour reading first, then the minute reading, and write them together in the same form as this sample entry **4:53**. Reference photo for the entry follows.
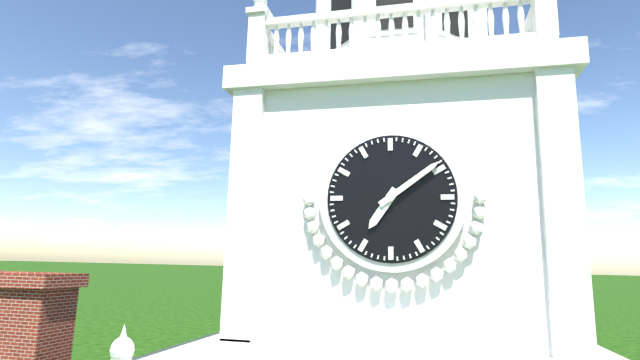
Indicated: **7:09**
